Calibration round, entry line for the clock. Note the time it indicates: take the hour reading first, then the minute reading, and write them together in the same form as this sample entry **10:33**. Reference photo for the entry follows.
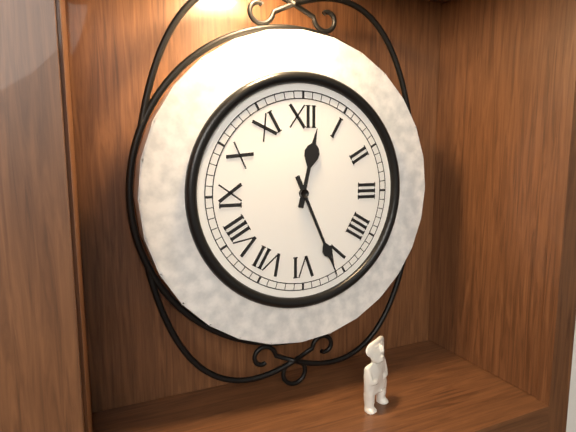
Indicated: **12:26**
